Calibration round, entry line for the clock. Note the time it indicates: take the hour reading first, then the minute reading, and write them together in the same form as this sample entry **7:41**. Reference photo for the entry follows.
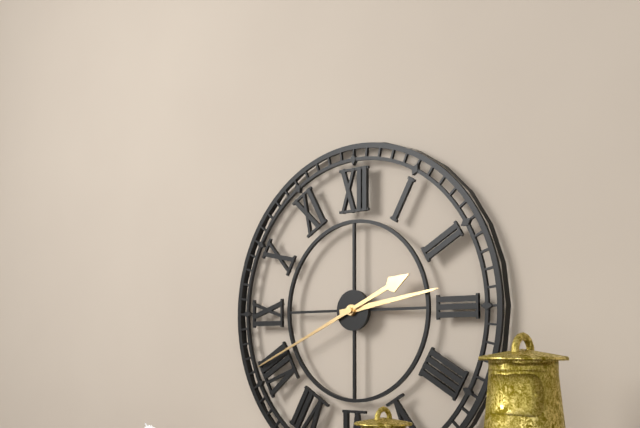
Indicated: **2:41**
